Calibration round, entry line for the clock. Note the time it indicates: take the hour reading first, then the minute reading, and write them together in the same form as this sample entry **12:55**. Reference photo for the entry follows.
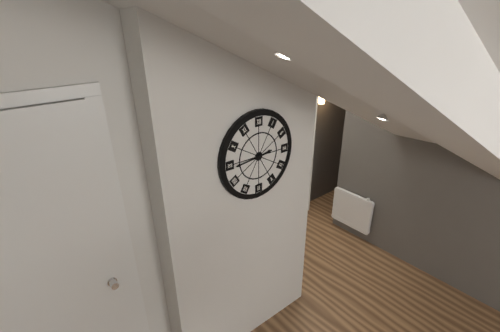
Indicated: **2:44**
